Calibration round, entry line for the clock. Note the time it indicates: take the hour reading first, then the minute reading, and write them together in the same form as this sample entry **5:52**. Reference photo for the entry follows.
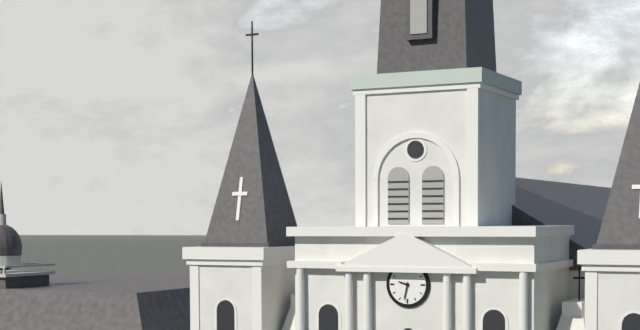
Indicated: **9:32**
